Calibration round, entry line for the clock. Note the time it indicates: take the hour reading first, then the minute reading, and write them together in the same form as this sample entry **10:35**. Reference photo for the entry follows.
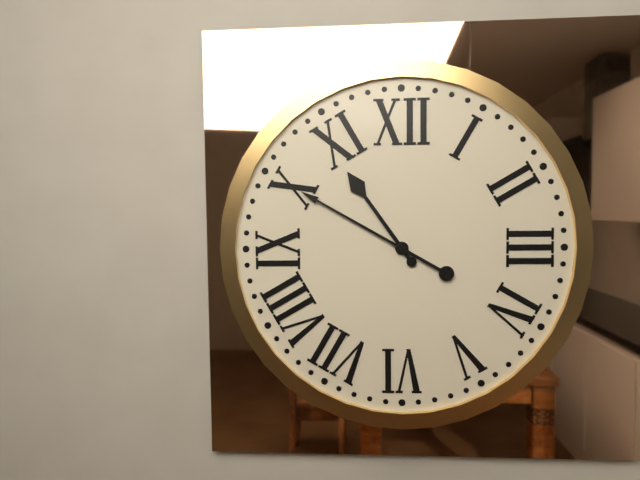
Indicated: **10:50**
